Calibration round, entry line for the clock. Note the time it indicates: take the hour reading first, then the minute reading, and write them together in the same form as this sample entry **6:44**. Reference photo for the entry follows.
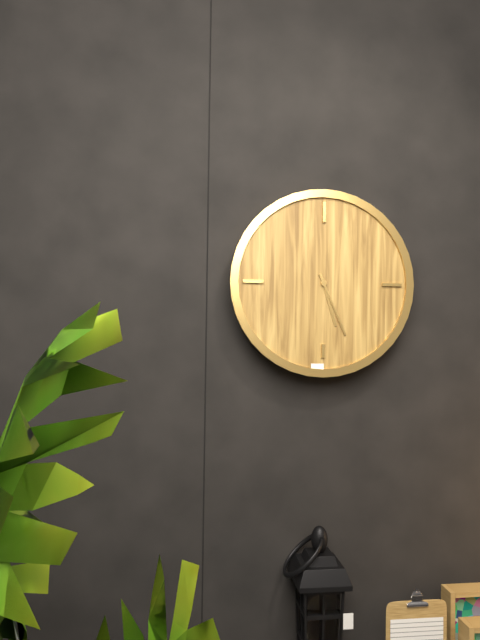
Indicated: **5:26**
